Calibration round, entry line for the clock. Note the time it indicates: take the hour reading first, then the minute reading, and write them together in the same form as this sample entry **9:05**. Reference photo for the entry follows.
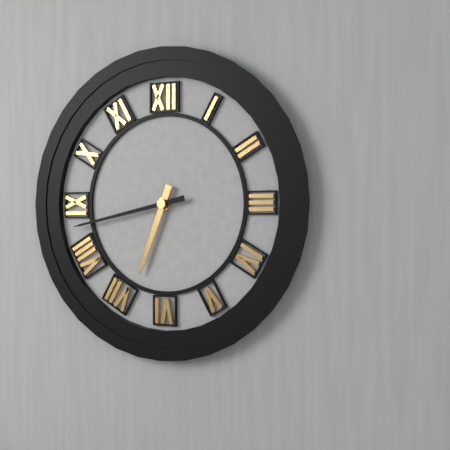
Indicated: **6:43**
